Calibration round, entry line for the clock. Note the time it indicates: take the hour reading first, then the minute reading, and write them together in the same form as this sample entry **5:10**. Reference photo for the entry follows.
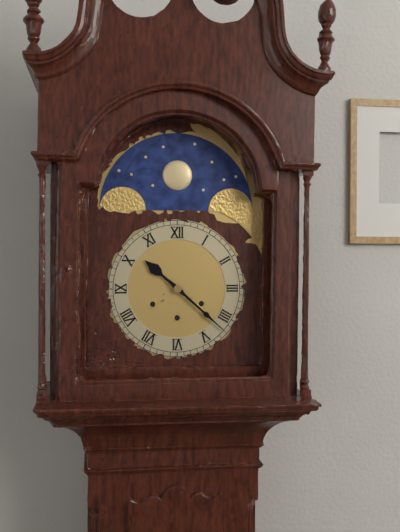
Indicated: **10:22**
